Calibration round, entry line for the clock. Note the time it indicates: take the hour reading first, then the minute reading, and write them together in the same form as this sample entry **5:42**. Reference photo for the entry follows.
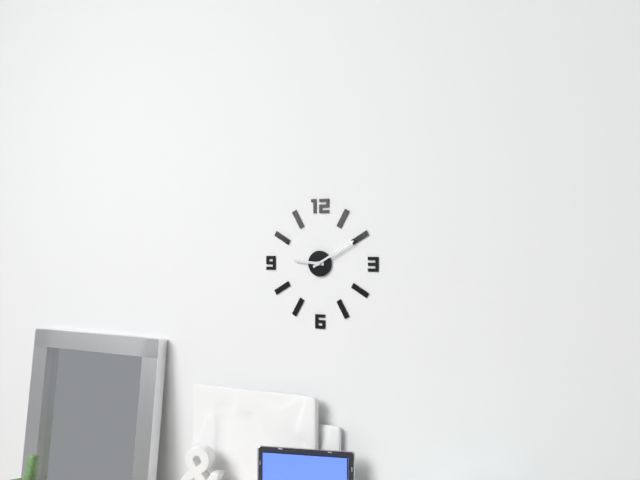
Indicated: **9:10**
